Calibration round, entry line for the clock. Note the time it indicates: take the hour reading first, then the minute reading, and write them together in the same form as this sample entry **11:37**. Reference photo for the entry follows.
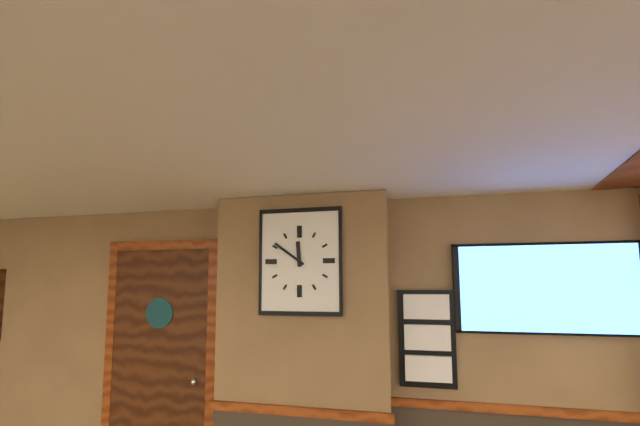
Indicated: **11:51**
